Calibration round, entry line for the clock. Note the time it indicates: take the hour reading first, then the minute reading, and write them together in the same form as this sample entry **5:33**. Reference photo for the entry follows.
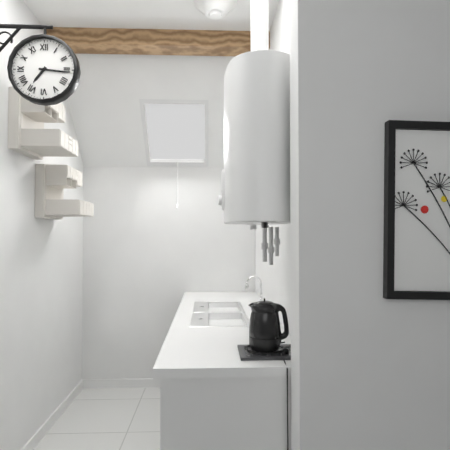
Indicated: **7:16**
